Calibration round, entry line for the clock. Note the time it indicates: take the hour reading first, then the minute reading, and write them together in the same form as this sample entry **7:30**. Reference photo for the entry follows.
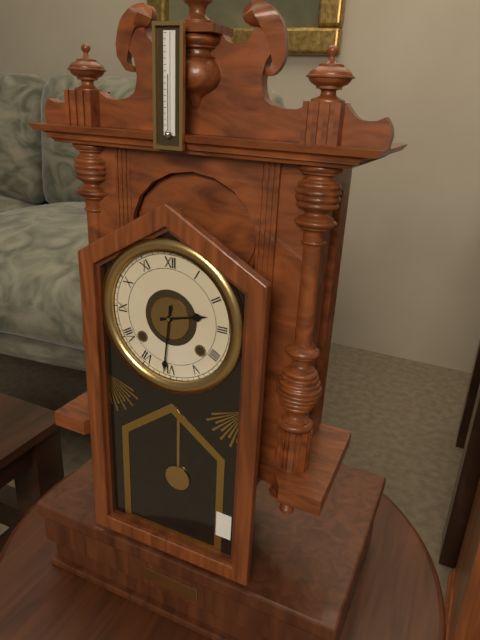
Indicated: **2:31**
